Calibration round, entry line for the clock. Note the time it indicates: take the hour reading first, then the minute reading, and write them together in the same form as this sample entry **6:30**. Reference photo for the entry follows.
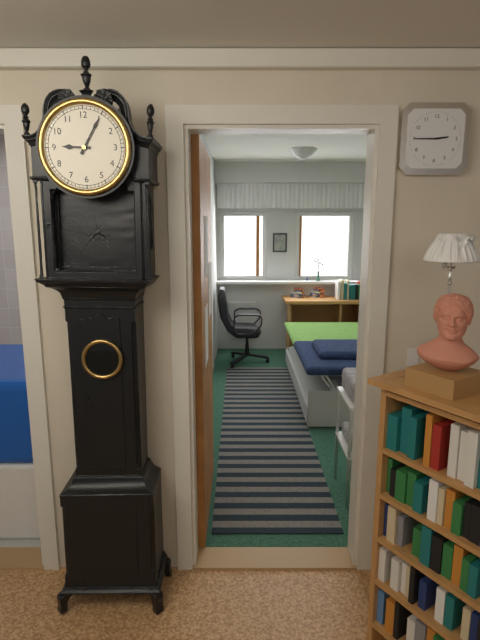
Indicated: **9:05**
